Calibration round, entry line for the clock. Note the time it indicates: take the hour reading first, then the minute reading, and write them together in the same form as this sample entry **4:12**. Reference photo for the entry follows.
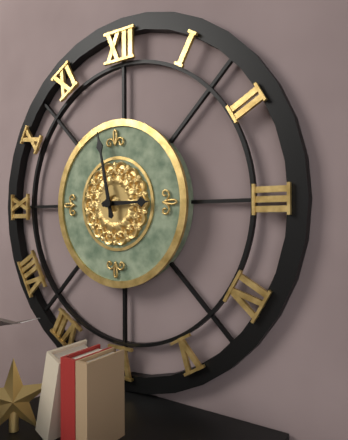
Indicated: **2:58**
